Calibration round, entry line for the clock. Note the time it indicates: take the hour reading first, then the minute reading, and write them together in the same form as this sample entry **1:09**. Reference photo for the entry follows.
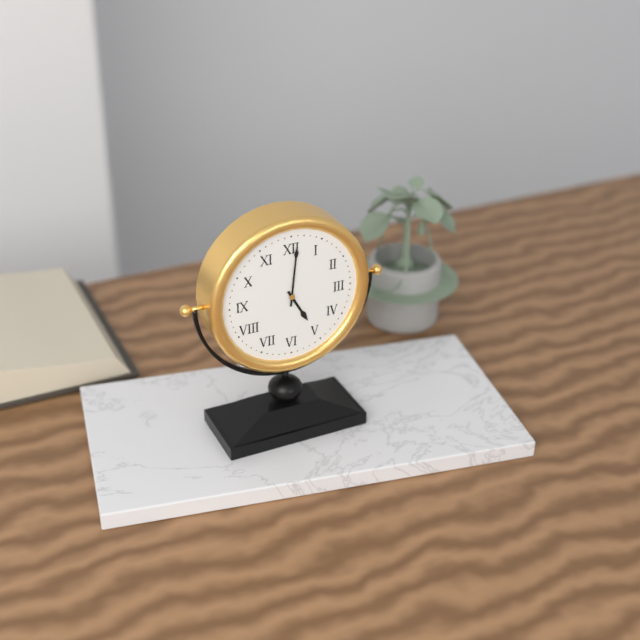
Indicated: **5:01**
